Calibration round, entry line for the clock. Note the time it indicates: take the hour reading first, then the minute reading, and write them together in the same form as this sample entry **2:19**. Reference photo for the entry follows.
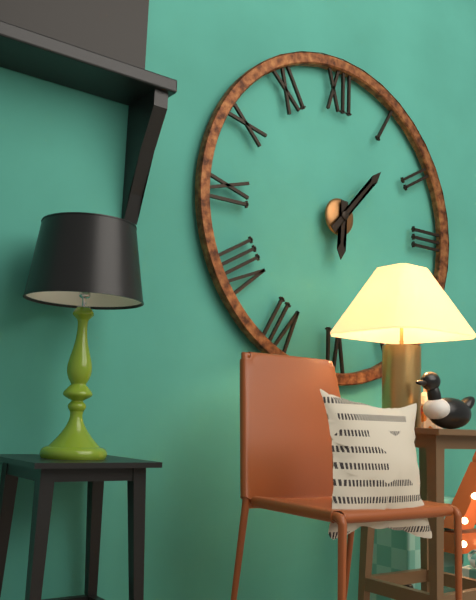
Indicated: **6:07**
